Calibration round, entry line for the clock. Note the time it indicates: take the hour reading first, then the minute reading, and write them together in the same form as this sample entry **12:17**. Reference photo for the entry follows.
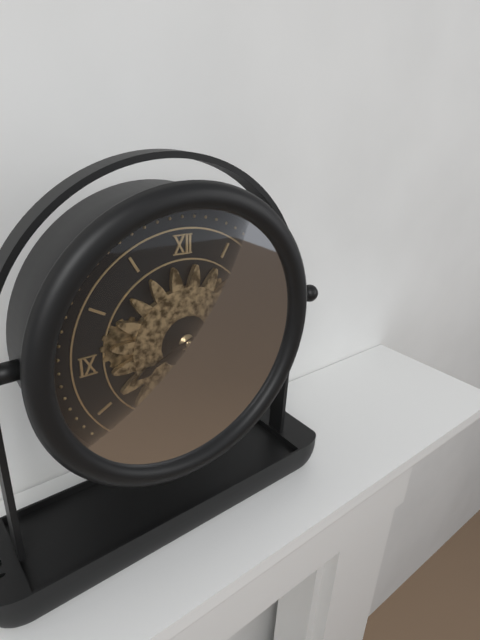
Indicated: **8:14**
